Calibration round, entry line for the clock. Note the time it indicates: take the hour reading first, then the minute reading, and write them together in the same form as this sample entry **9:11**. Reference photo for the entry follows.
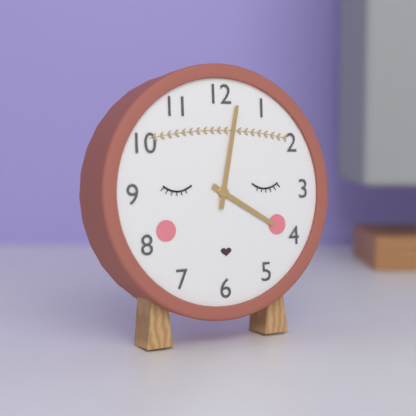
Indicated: **4:02**
